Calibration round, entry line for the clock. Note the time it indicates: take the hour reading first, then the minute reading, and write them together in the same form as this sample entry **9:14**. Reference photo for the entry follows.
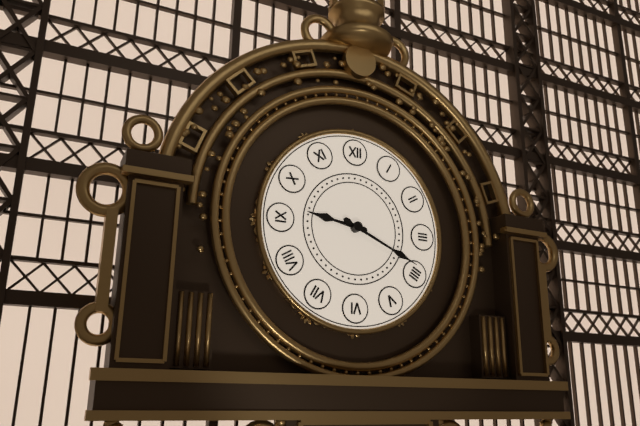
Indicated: **9:19**
